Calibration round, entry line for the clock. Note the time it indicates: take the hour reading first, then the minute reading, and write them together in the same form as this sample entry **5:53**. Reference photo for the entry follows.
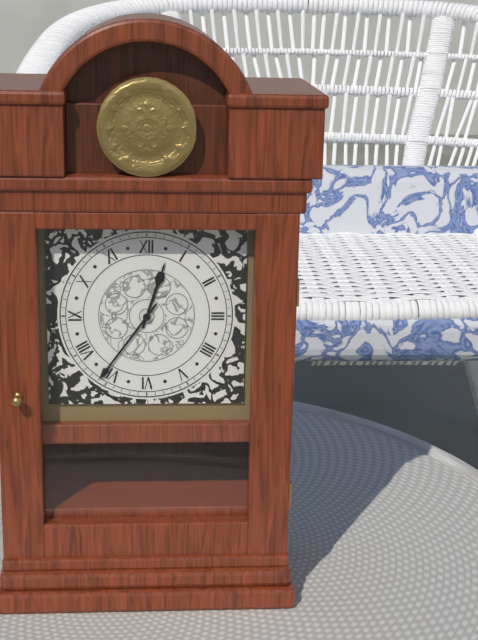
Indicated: **12:36**
